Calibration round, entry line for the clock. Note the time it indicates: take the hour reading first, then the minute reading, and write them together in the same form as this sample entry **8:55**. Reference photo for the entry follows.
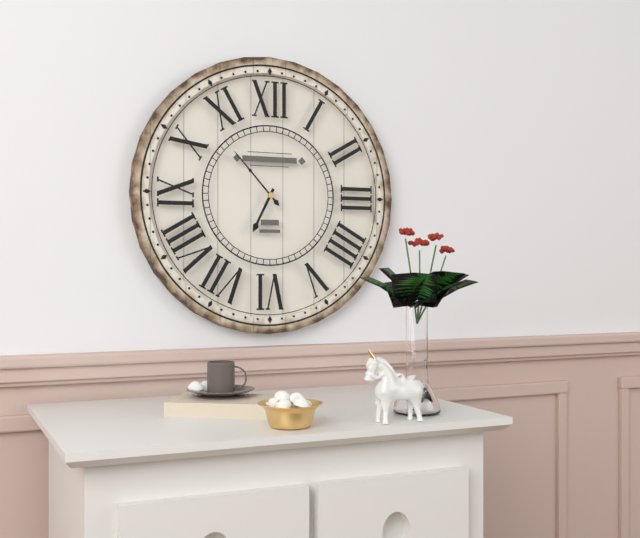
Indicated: **6:53**
